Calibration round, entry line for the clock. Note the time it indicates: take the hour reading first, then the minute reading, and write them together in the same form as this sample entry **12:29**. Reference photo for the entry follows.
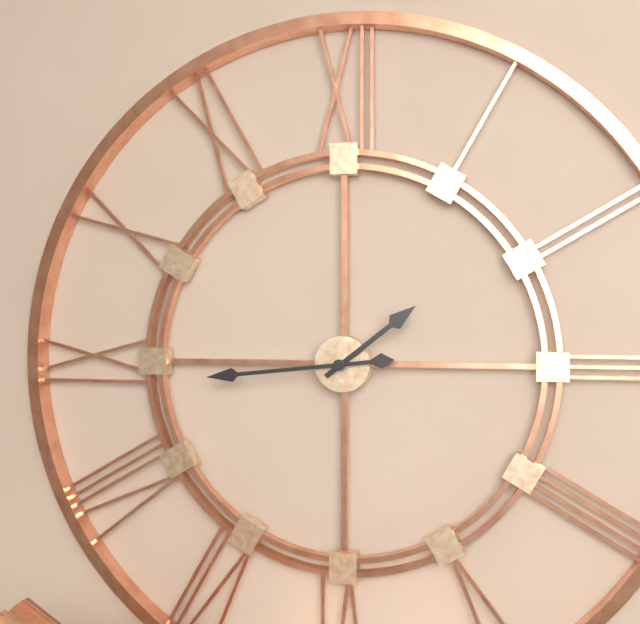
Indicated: **1:44**
